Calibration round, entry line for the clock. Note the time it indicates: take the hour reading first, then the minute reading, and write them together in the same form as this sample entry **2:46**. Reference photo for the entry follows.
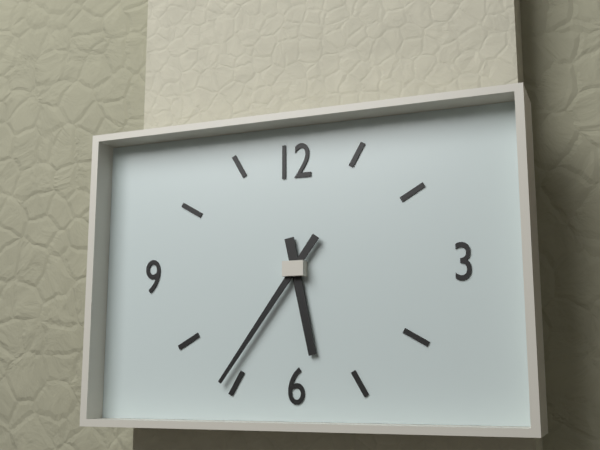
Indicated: **5:36**
